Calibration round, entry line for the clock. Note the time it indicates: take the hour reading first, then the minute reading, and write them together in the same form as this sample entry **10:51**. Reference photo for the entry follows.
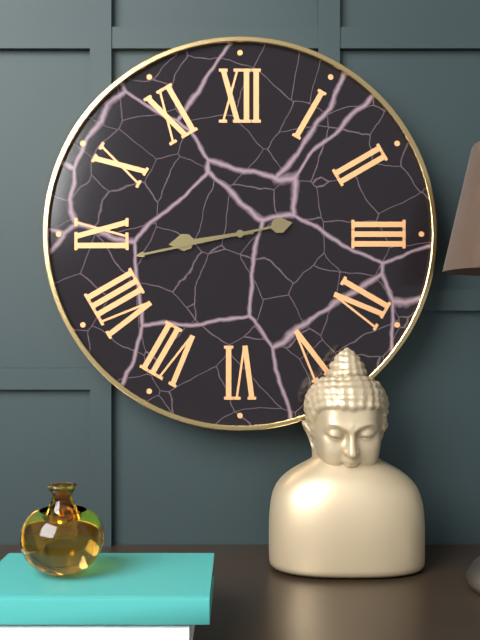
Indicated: **8:43**
